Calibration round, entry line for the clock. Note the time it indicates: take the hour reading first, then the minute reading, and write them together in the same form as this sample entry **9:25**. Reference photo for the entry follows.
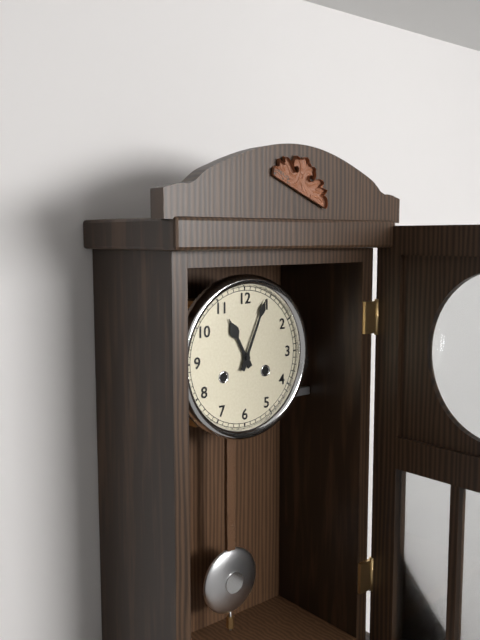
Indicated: **11:04**
